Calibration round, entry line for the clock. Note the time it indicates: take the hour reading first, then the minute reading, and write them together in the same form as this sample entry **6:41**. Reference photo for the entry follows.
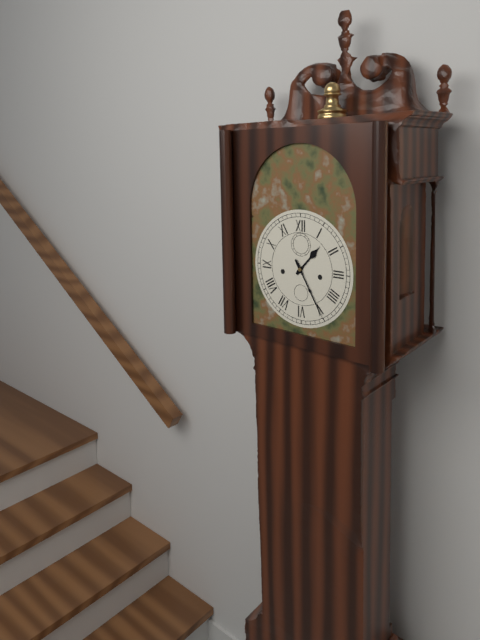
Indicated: **1:25**
